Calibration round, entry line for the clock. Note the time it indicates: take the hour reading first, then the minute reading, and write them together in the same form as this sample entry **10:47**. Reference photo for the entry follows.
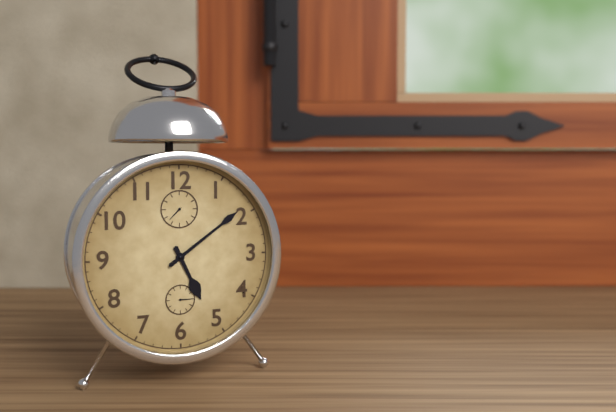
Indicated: **5:09**
